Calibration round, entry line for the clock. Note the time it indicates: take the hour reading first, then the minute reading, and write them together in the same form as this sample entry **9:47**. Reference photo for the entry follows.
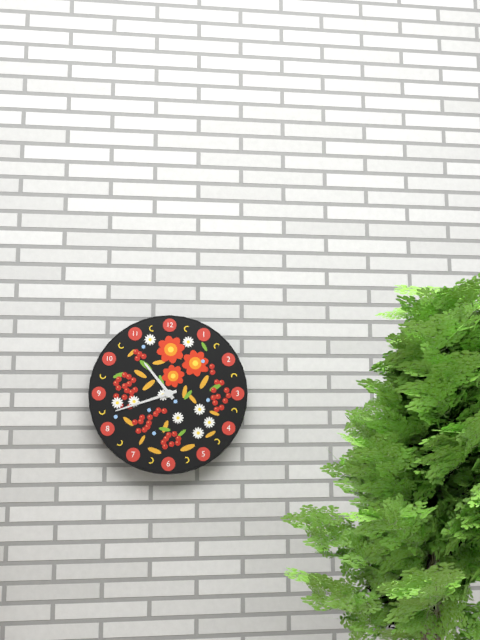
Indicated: **10:42**
